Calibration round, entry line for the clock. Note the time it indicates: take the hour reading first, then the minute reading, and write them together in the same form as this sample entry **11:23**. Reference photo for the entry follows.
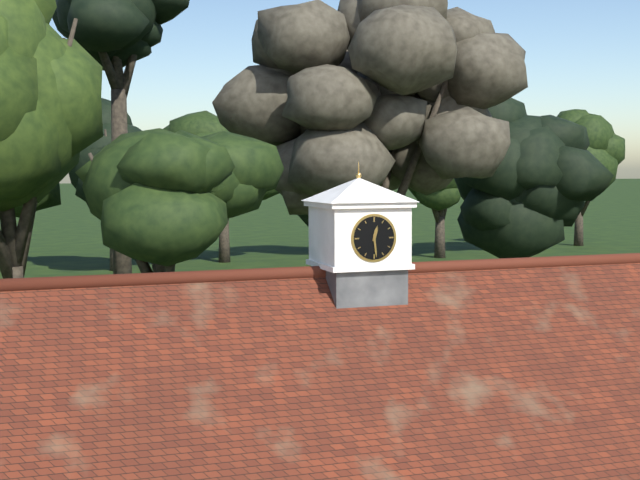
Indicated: **12:29**
